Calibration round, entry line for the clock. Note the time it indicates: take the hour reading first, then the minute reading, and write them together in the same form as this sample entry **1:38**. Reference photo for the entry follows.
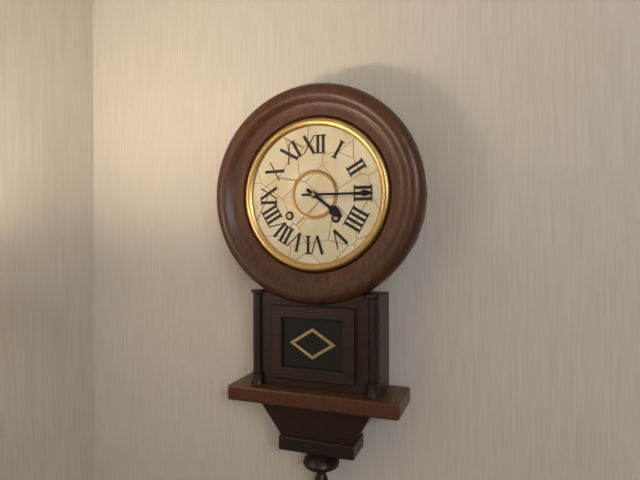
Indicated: **4:15**
